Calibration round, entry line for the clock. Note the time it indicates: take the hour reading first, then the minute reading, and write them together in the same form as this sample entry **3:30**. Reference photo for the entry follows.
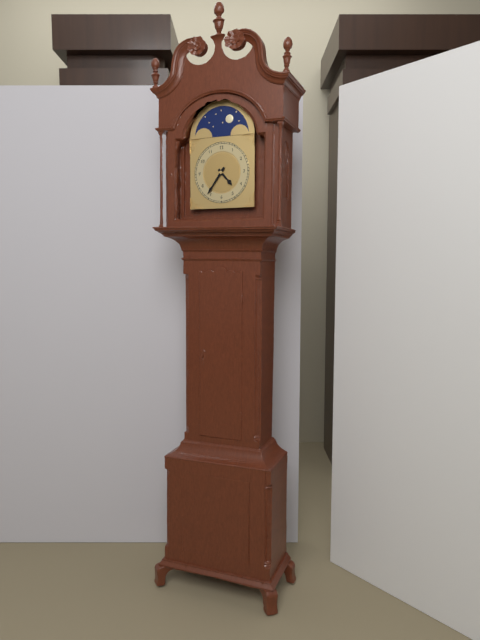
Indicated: **4:36**
